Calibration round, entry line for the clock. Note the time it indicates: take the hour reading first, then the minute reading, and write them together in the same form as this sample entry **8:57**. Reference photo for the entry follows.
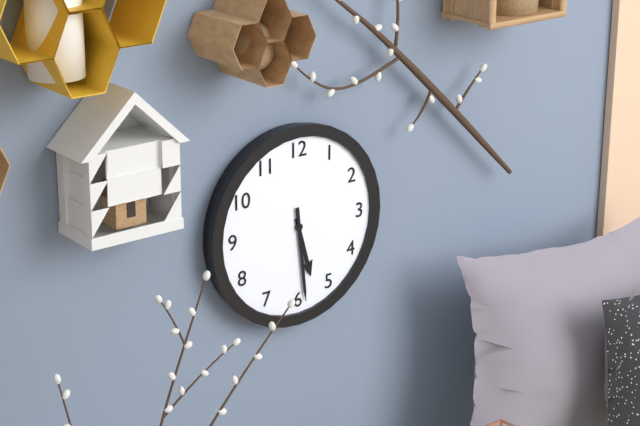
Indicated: **5:29**
